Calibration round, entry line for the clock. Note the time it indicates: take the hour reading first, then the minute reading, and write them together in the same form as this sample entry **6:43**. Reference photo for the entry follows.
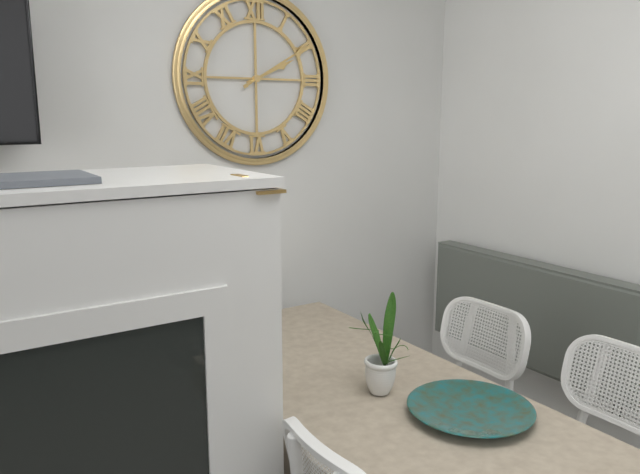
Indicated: **2:10**
